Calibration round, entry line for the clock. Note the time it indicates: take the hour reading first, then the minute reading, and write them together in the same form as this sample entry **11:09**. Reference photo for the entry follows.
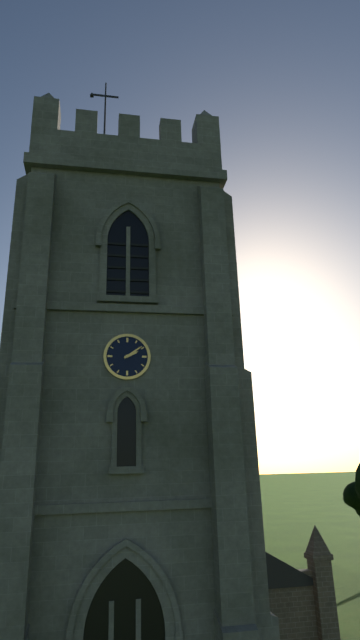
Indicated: **2:09**
